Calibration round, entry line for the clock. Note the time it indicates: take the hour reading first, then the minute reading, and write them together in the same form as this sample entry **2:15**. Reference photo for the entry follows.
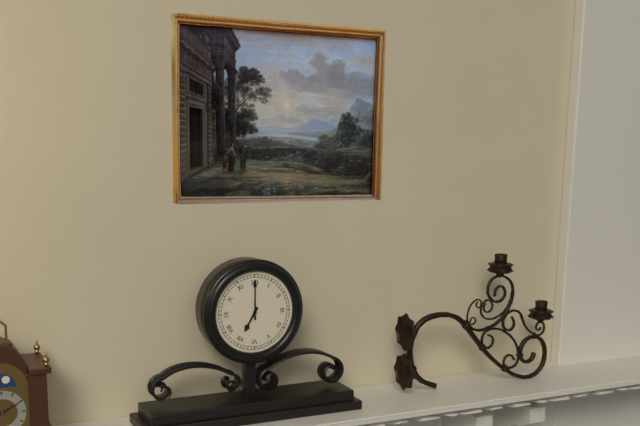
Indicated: **7:00**
